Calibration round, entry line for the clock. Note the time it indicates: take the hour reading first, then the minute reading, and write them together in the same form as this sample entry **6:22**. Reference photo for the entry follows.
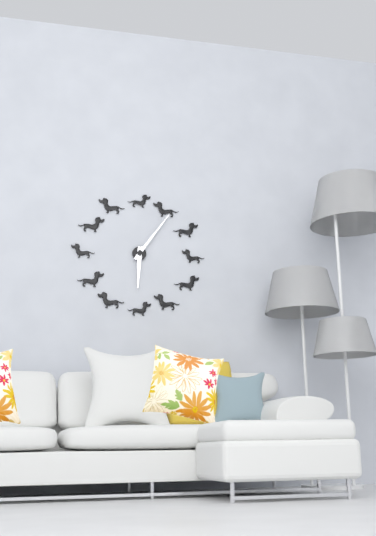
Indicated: **6:06**
